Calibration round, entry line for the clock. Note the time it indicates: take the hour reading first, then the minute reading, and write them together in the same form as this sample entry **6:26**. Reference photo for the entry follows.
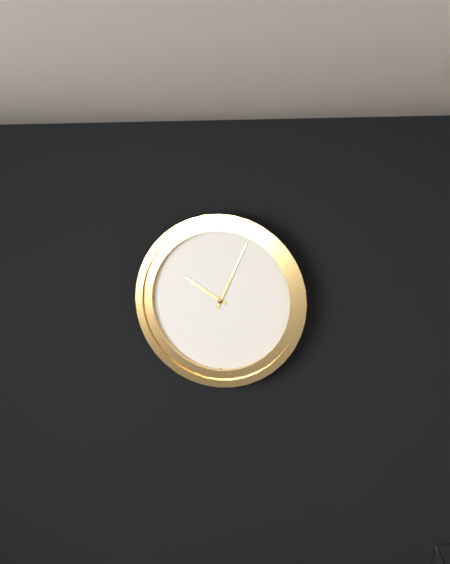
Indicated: **10:04**
